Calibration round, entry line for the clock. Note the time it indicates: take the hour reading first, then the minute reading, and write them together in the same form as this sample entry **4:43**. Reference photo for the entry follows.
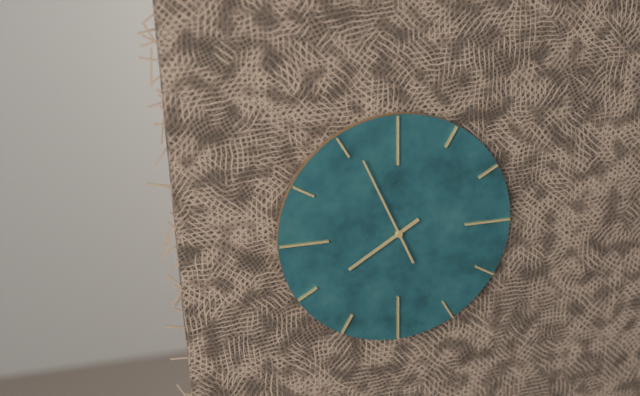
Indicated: **7:56**
